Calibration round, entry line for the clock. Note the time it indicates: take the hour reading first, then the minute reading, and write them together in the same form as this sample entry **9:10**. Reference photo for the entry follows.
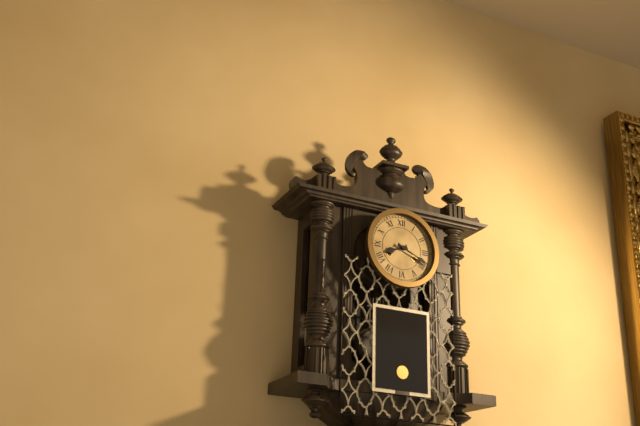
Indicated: **8:19**
